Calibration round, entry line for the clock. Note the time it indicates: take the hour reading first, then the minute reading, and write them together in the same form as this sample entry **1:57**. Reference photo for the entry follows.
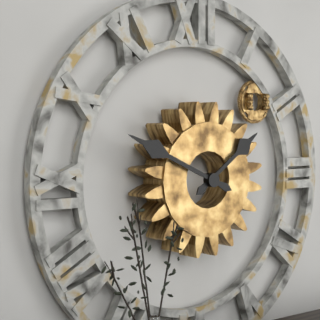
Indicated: **1:49**
